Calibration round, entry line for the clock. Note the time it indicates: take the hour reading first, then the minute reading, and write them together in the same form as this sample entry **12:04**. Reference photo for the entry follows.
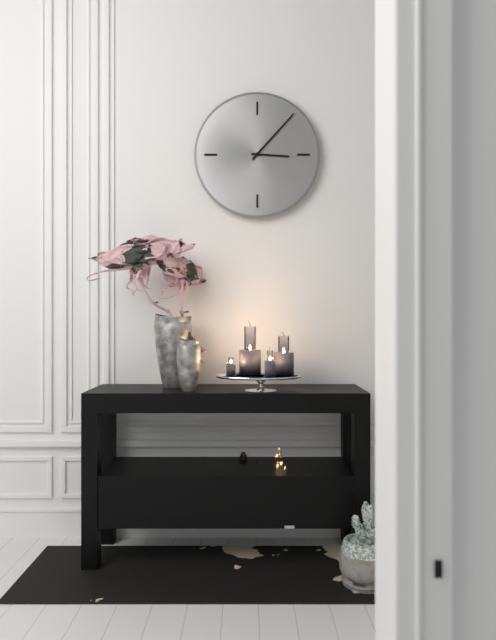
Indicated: **3:07**
